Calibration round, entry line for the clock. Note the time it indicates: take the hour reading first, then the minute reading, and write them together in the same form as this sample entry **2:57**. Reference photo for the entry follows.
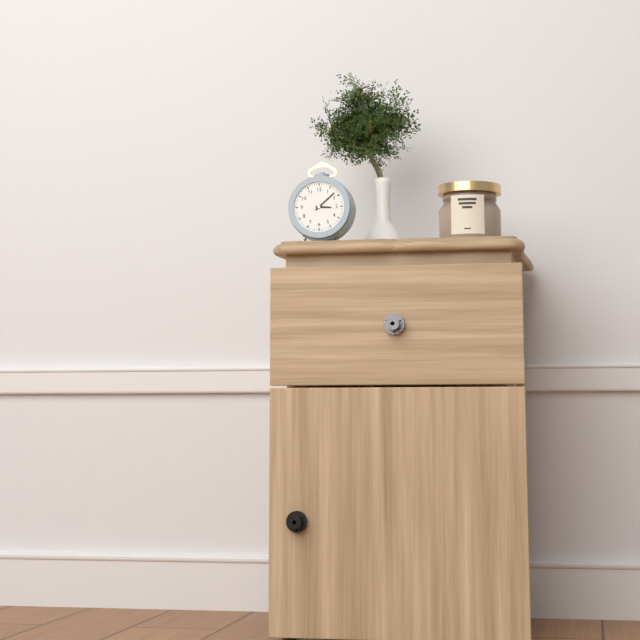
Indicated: **3:08**
